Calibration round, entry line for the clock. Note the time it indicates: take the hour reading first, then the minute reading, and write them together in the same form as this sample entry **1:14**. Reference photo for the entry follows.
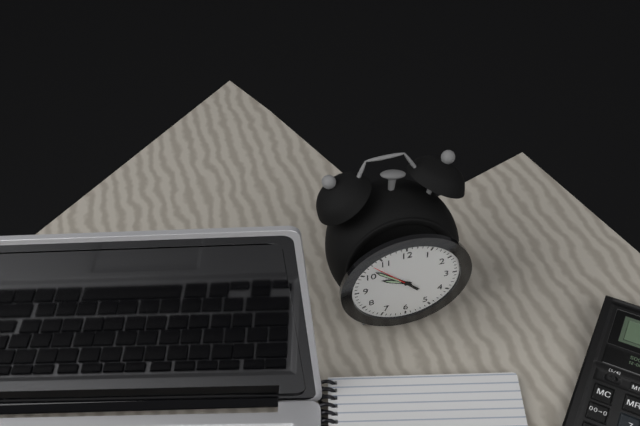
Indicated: **9:52**
